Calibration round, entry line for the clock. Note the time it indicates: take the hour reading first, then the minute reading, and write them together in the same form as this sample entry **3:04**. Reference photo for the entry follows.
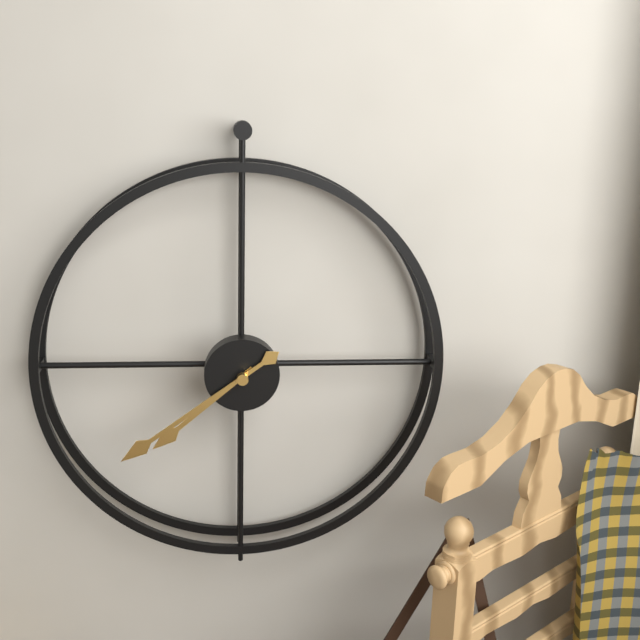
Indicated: **7:39**
